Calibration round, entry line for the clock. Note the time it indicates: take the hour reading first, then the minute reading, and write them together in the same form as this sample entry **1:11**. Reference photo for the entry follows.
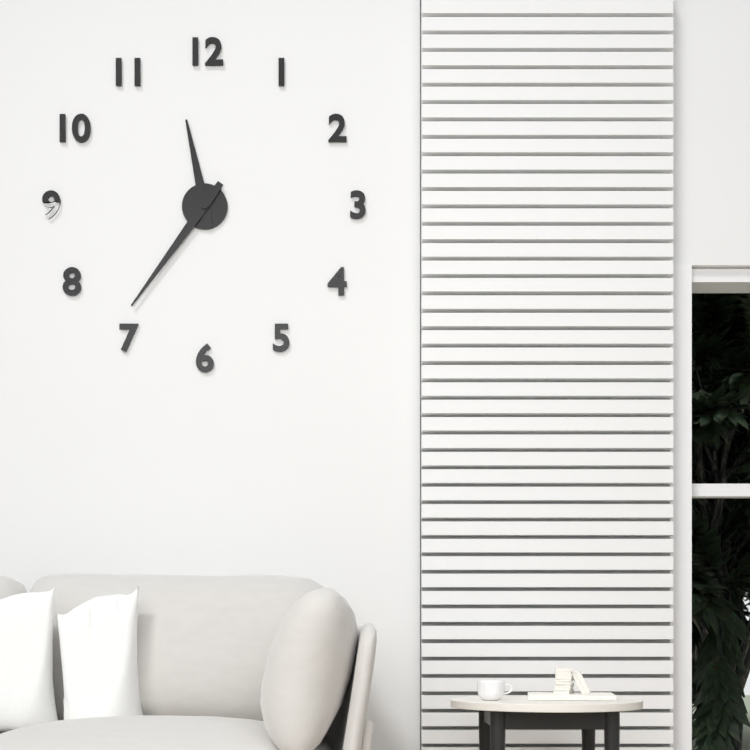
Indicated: **11:36**
